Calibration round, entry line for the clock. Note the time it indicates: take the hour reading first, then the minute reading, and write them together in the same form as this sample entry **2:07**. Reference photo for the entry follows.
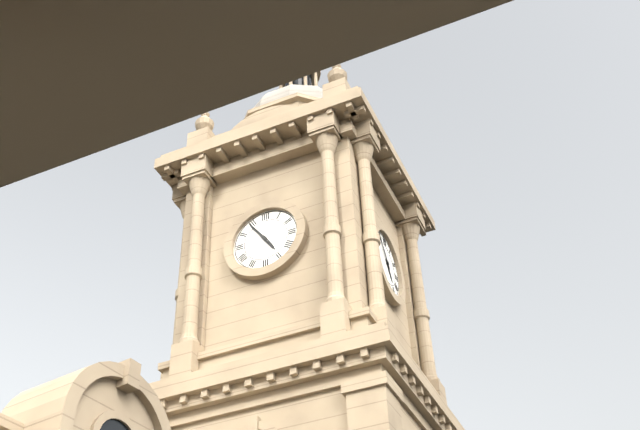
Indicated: **4:54**
